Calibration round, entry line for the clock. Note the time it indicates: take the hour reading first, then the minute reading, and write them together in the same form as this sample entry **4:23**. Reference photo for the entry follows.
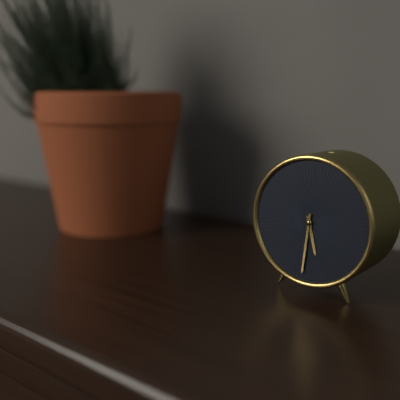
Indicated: **5:31**
